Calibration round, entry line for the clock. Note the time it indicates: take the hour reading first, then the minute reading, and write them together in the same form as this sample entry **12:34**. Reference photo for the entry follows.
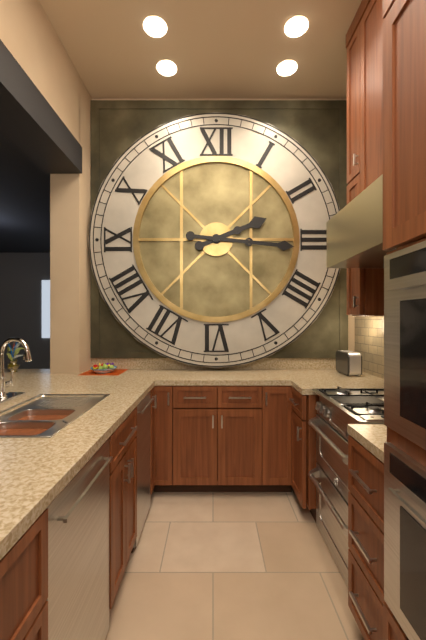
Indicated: **2:16**
